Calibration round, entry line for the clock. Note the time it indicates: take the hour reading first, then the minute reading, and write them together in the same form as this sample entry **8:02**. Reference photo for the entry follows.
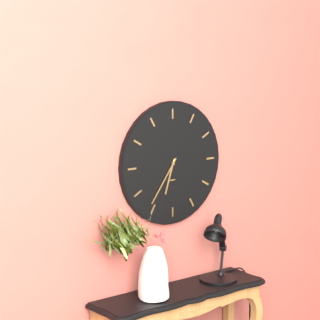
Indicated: **6:36**
